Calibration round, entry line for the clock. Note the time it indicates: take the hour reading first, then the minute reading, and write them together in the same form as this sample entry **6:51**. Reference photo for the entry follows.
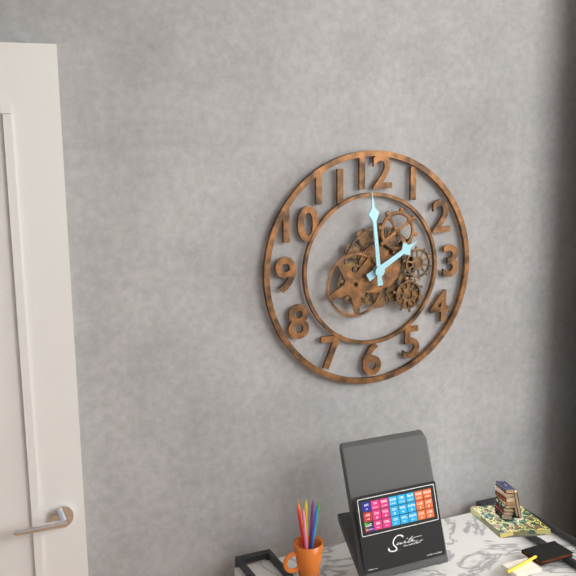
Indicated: **1:59**
